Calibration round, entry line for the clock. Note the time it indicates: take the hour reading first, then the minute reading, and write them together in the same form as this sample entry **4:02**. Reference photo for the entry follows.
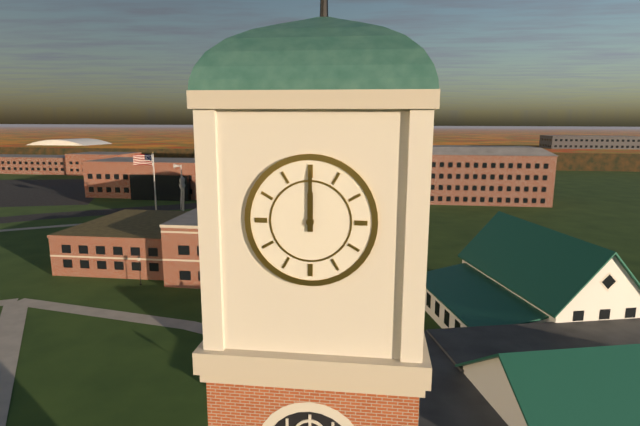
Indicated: **12:00**
